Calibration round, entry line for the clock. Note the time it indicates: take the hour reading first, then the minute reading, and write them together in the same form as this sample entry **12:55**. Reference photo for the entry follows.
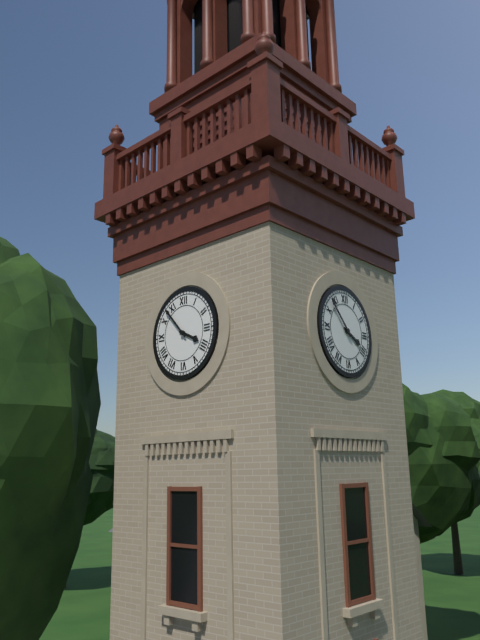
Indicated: **3:53**
